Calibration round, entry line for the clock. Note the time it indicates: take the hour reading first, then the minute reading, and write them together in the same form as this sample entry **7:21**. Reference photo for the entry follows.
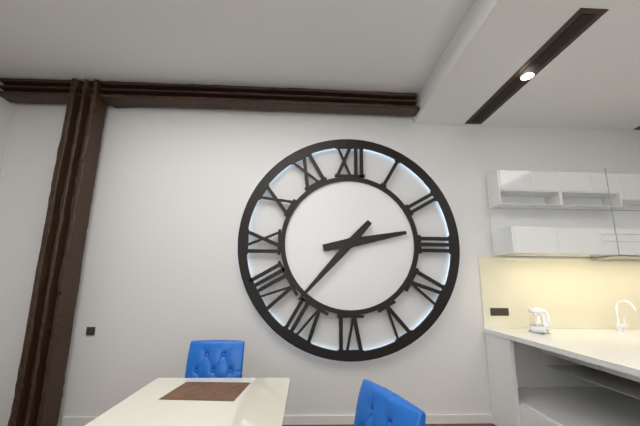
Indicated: **2:37**
